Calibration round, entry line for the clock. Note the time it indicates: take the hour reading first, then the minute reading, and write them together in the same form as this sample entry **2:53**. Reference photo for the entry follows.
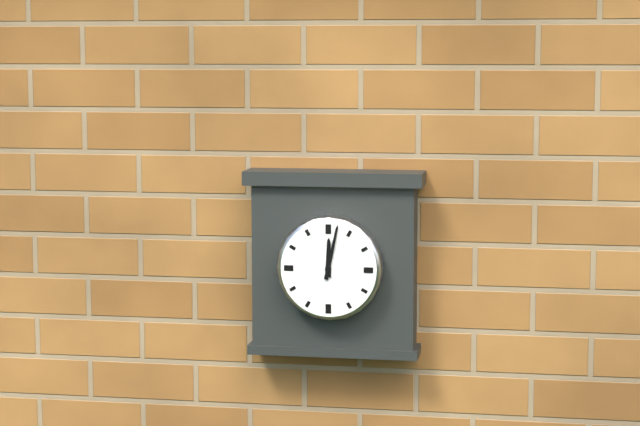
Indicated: **12:02**
